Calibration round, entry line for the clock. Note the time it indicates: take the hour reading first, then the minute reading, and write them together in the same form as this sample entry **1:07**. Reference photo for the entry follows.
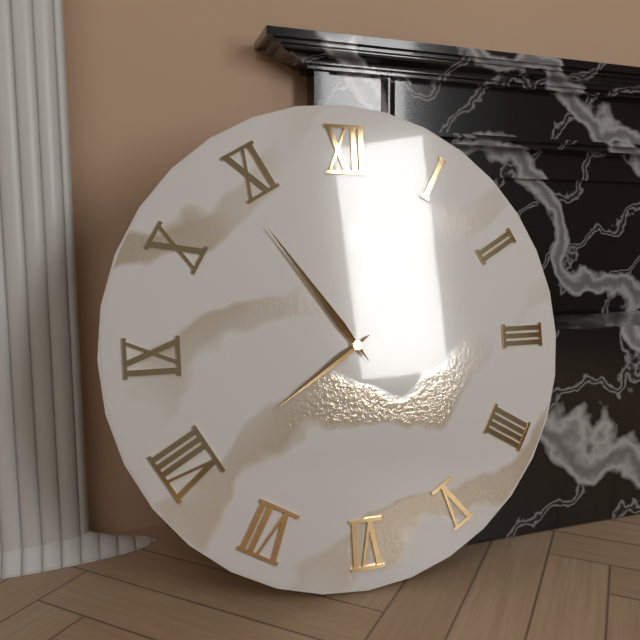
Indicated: **7:54**
